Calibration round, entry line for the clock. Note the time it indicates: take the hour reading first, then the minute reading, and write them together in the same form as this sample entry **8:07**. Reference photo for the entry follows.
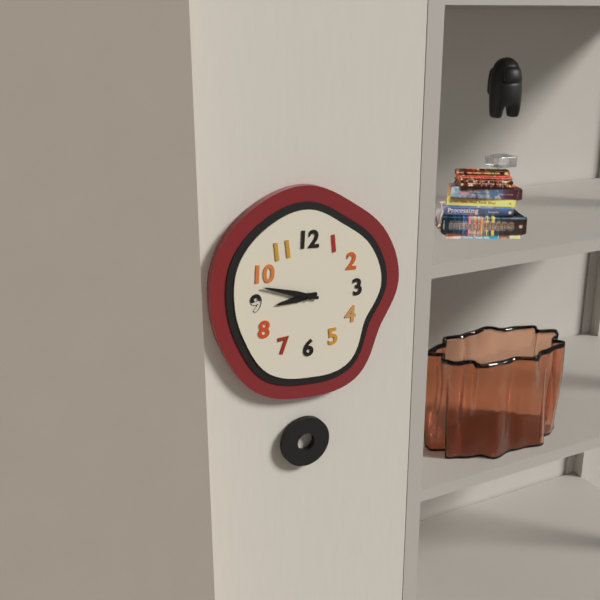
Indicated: **8:48**
